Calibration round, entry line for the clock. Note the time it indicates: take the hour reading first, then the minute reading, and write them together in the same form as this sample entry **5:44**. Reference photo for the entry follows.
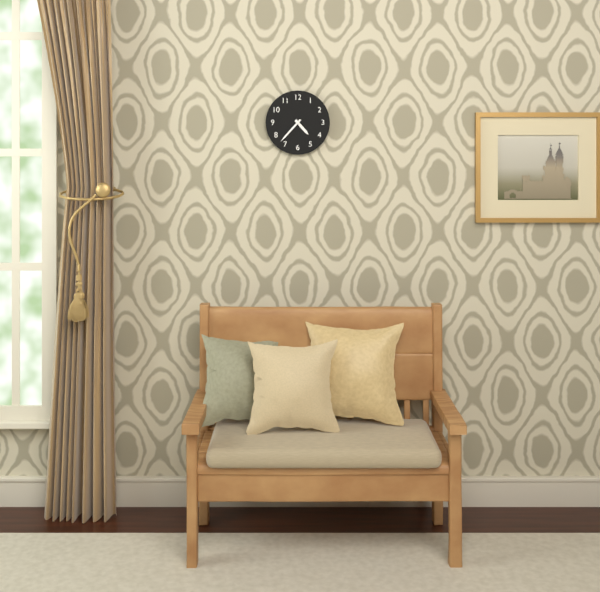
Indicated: **4:37**
